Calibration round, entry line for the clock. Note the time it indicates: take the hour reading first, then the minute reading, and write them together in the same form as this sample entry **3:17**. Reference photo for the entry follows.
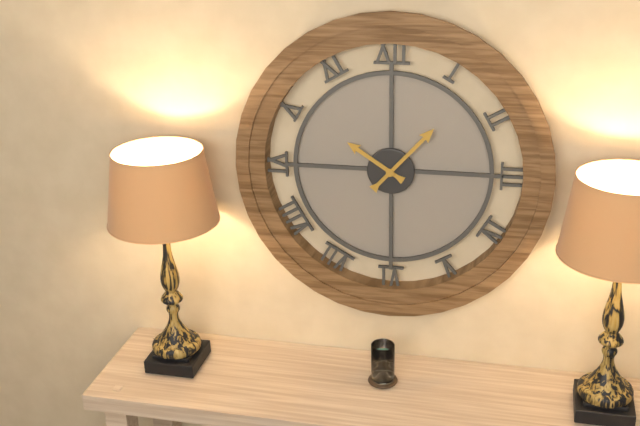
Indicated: **10:07**
